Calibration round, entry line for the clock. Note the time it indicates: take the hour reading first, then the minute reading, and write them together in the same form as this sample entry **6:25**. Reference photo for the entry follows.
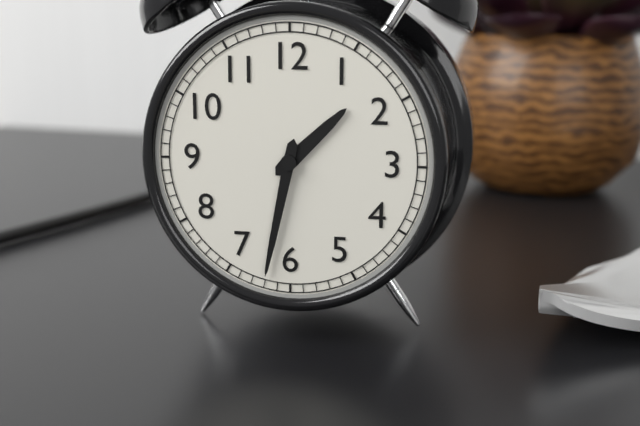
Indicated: **1:32**
